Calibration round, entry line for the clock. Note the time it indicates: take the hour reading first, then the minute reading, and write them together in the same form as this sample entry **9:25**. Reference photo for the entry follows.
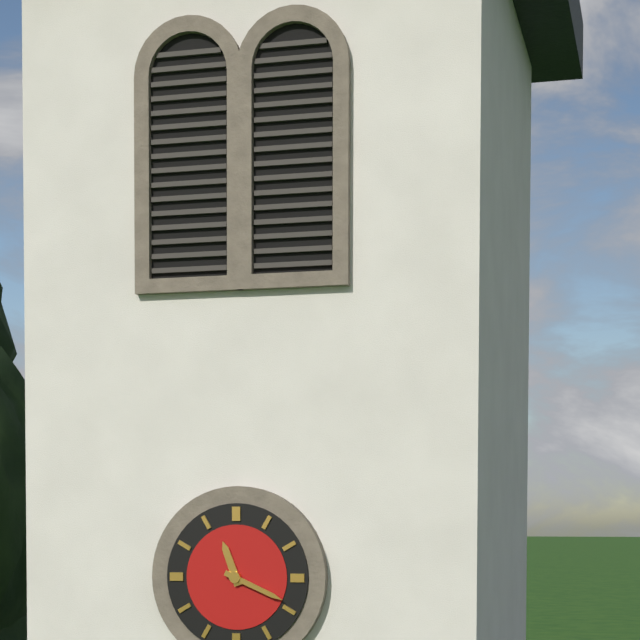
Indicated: **11:19**
